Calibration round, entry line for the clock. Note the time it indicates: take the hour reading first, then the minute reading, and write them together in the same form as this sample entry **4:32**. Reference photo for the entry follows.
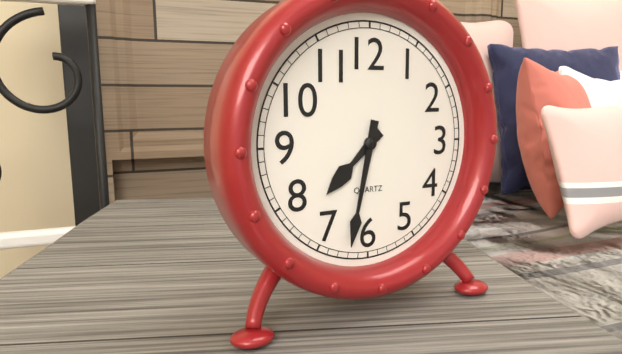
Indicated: **7:32**
